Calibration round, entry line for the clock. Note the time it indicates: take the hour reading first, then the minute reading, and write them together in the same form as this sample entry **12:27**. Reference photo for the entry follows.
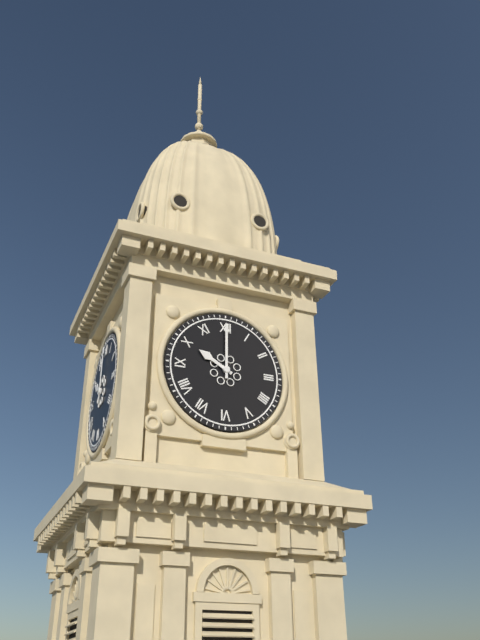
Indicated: **10:00**
